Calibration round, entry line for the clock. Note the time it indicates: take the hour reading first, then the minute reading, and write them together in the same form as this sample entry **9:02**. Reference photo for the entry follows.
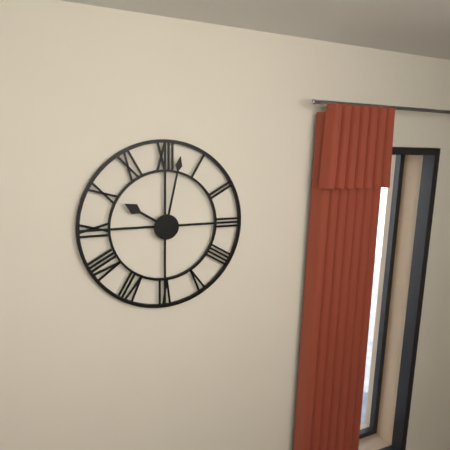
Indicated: **10:02**
